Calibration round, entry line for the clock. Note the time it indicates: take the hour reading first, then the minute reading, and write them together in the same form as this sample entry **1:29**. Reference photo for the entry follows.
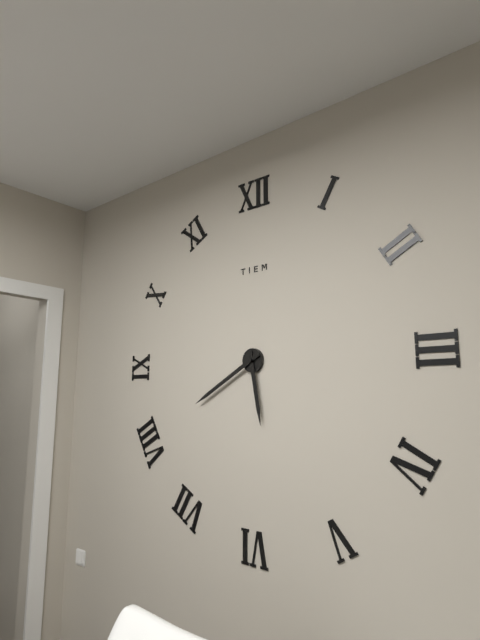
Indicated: **5:40**
